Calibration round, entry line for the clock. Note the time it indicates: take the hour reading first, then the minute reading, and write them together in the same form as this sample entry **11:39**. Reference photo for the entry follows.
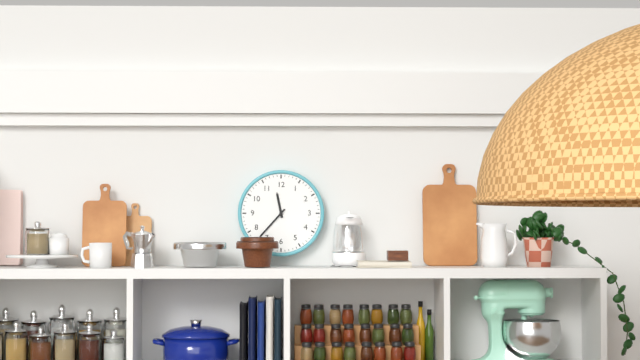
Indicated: **11:37**
